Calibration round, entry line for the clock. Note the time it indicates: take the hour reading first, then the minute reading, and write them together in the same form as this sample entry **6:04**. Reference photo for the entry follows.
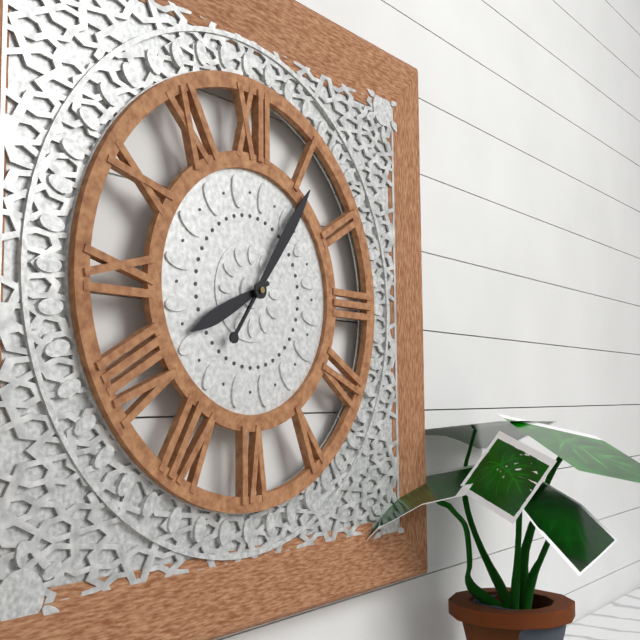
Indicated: **8:06**
